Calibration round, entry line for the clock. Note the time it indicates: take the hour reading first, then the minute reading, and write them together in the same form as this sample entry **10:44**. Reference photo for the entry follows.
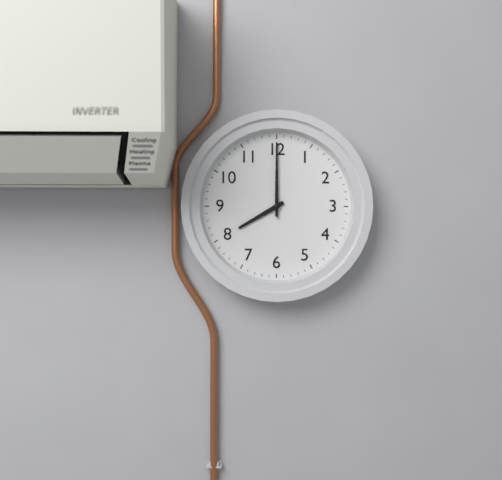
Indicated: **8:00**
